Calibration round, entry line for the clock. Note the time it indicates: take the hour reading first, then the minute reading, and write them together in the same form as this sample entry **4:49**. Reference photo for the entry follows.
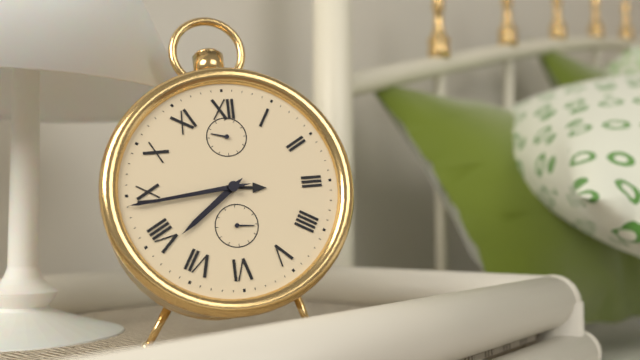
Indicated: **7:44**
